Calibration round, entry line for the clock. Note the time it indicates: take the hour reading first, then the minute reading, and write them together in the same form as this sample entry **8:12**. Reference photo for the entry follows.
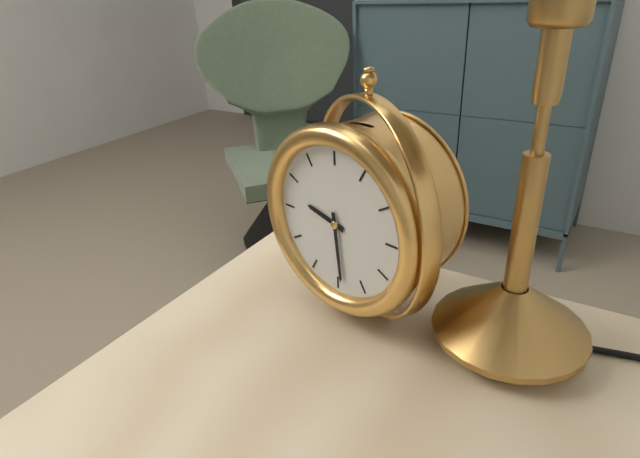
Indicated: **9:29**
